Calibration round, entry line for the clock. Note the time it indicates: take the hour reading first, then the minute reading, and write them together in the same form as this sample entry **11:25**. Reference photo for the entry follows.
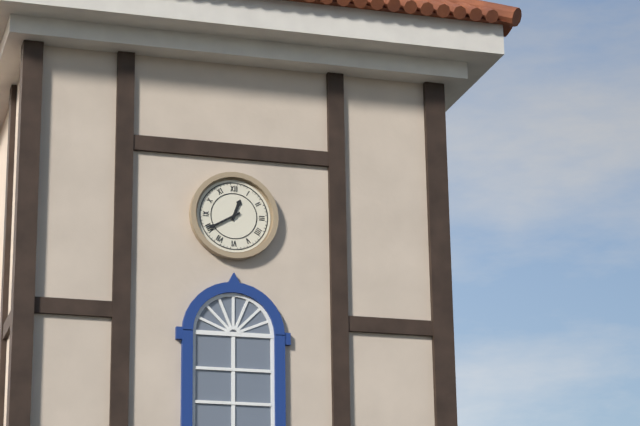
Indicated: **12:40**
